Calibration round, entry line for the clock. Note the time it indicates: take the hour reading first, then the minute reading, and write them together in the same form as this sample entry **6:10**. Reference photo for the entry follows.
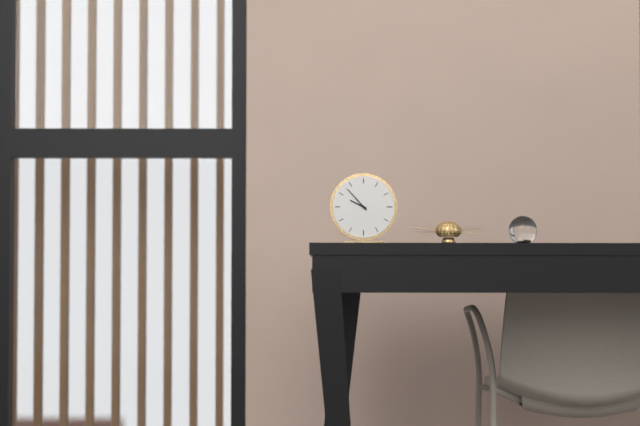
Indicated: **9:53**
